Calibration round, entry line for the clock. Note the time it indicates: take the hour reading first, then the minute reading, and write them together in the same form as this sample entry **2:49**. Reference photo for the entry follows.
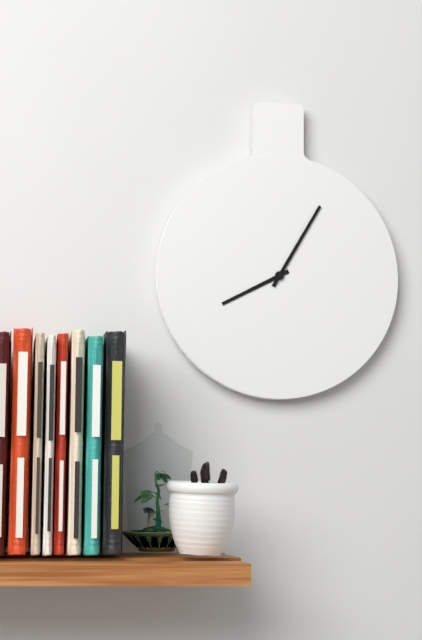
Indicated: **8:05**
